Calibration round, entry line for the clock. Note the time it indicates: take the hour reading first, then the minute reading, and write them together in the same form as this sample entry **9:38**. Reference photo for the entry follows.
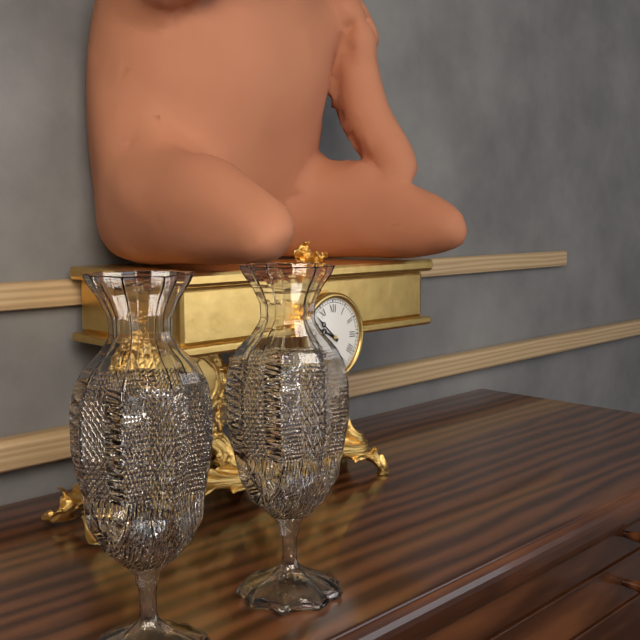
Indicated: **9:52**
